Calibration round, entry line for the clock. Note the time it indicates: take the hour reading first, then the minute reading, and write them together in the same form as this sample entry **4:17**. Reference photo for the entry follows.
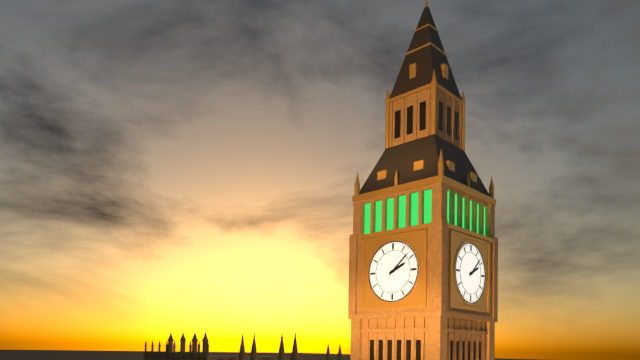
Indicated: **2:08**
